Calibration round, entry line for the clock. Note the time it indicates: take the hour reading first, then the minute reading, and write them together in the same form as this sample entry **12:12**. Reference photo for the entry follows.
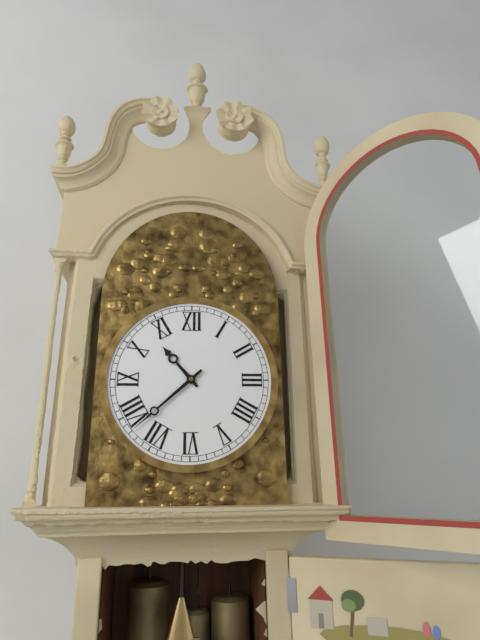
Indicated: **10:38**
